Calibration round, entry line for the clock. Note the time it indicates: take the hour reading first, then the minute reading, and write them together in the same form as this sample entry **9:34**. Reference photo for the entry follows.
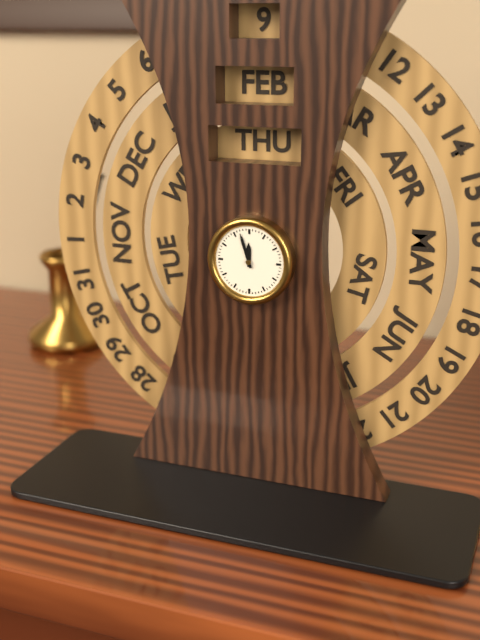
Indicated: **11:57**
